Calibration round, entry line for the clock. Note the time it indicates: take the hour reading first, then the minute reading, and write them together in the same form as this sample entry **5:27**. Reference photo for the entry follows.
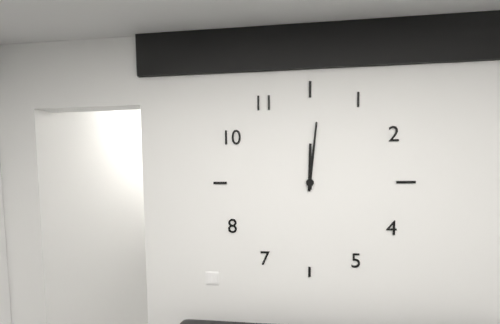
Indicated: **12:01**
